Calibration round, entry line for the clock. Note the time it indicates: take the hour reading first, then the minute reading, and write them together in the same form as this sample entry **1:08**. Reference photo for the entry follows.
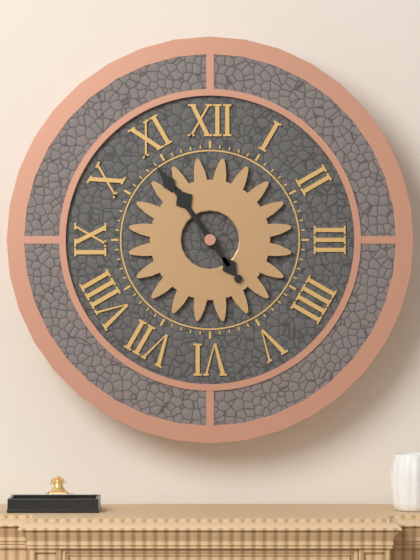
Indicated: **10:54**
